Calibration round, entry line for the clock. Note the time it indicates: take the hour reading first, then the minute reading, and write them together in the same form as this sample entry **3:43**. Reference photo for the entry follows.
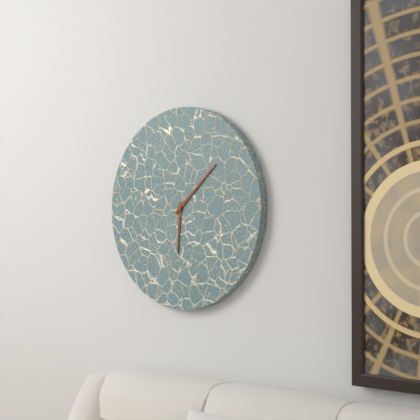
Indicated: **6:08**
